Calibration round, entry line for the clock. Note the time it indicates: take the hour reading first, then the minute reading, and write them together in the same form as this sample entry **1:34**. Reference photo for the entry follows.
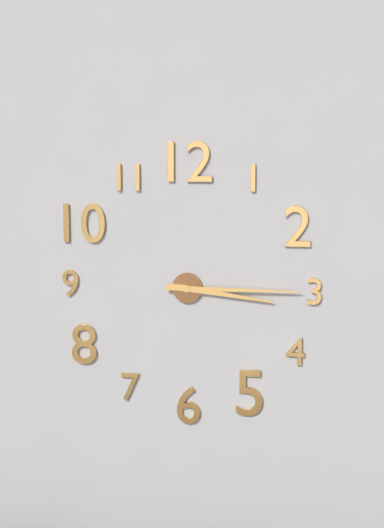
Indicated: **3:15**
